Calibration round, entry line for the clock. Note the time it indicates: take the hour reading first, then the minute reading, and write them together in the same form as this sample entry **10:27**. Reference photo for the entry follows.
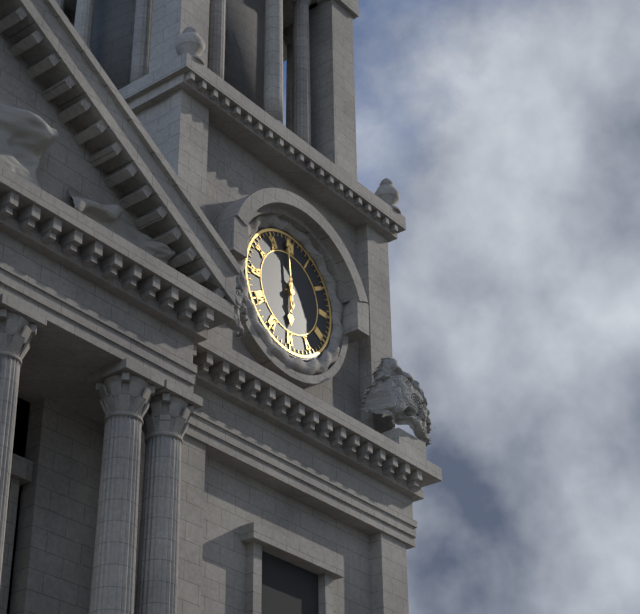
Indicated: **5:59**
